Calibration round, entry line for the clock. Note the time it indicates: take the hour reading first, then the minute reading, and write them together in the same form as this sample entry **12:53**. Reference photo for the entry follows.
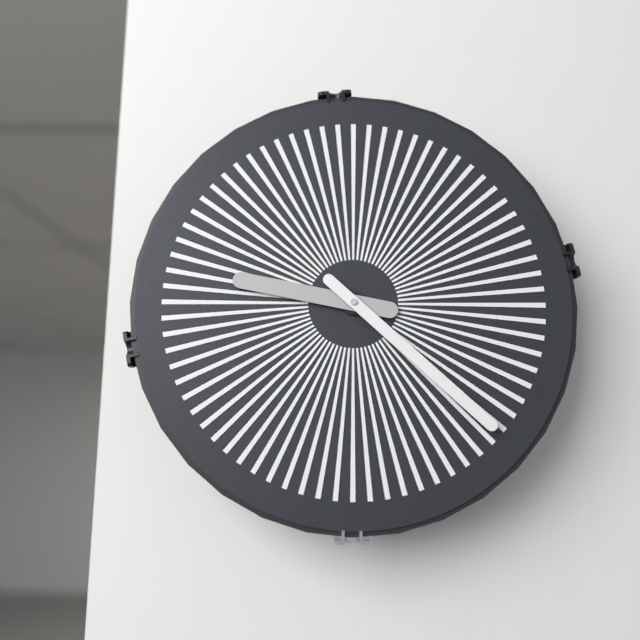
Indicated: **9:22**
